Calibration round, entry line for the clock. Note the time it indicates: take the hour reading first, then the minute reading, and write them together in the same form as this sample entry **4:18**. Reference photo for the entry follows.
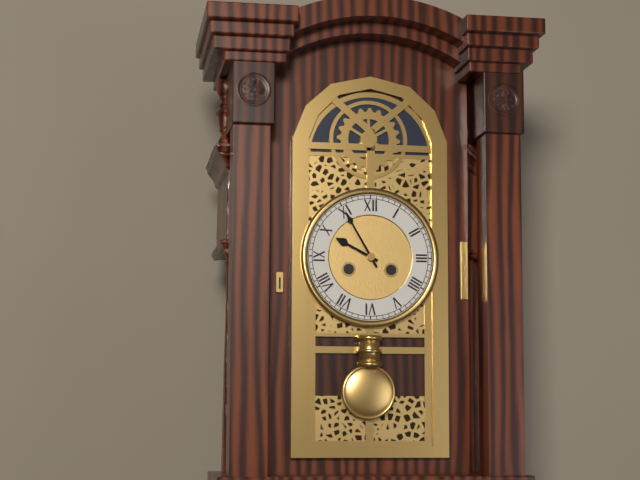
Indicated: **9:55**
